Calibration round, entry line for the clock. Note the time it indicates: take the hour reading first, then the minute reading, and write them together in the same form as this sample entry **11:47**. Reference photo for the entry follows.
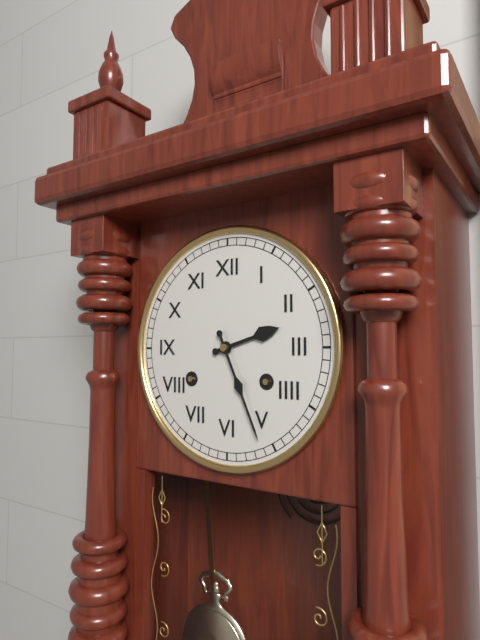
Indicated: **2:26**
